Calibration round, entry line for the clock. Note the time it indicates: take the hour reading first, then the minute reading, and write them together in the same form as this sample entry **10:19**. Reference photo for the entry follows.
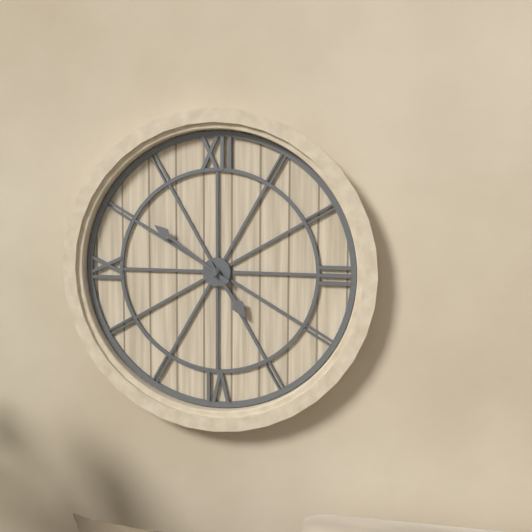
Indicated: **4:51**
